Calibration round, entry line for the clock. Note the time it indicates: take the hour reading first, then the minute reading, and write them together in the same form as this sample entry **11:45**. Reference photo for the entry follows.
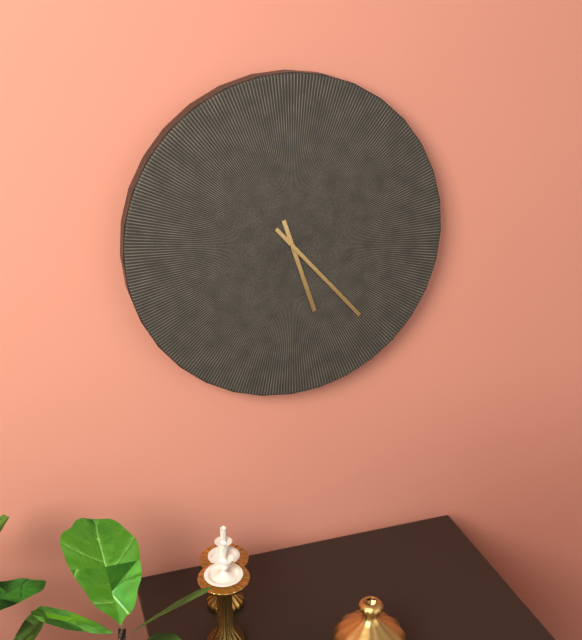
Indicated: **5:23**
